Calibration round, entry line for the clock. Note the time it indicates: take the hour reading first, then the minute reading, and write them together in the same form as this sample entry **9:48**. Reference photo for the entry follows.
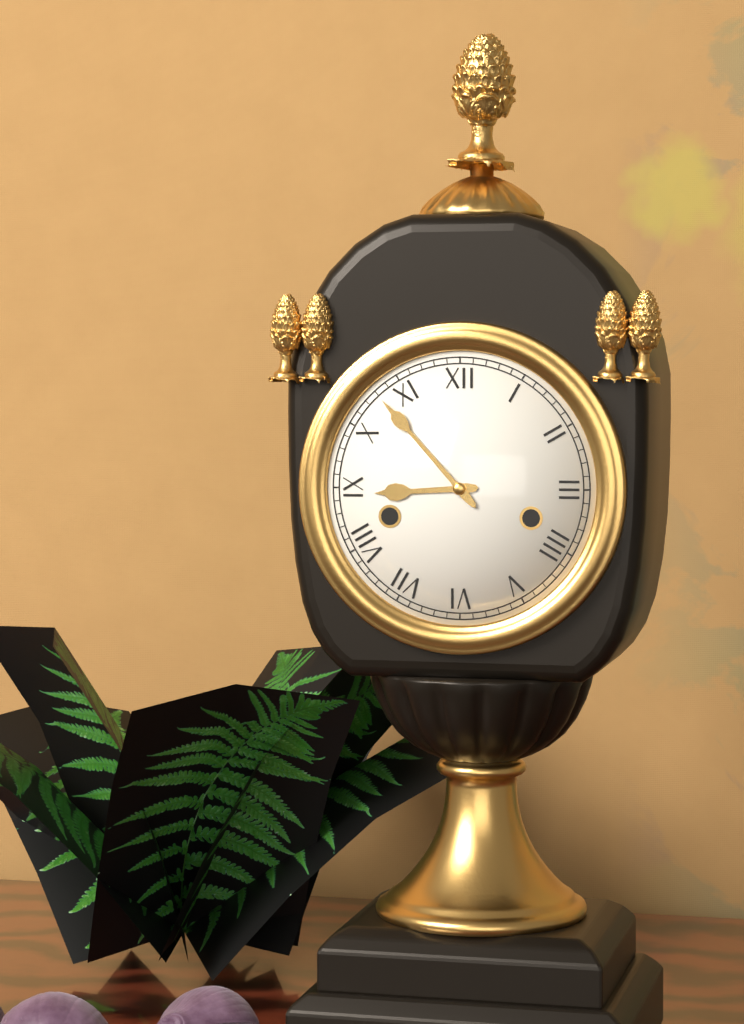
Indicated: **8:53**
